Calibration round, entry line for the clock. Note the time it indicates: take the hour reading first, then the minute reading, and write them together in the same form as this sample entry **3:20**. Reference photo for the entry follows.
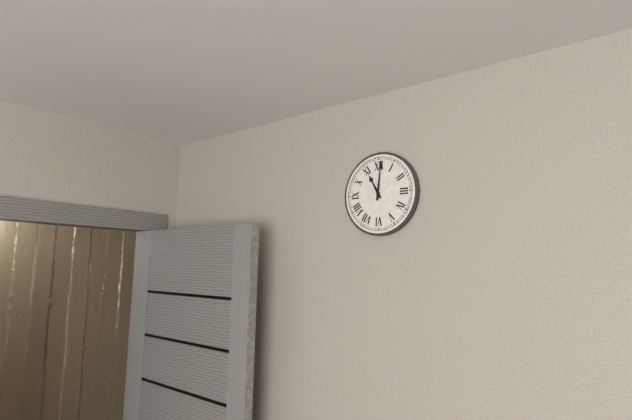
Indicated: **11:01**
